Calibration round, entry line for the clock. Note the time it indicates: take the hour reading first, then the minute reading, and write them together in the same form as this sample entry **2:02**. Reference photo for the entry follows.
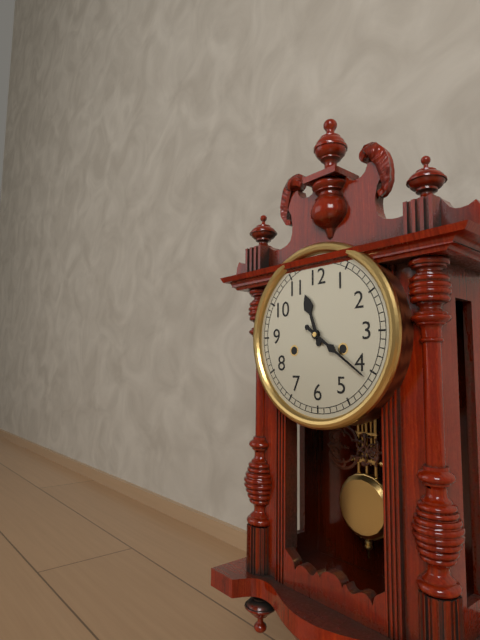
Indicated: **11:21**
